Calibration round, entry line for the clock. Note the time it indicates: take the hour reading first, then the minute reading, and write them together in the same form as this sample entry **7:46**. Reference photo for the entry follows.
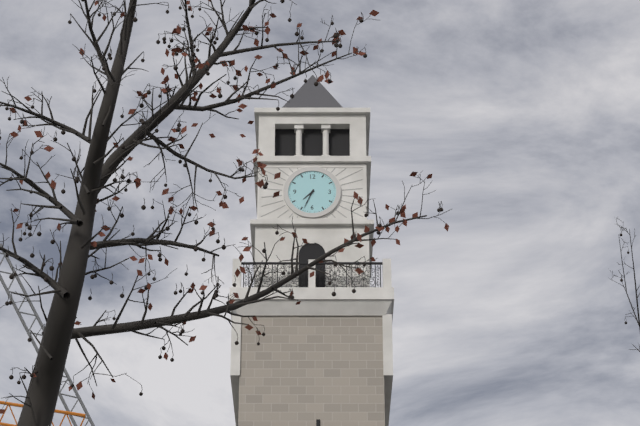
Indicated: **7:34**
